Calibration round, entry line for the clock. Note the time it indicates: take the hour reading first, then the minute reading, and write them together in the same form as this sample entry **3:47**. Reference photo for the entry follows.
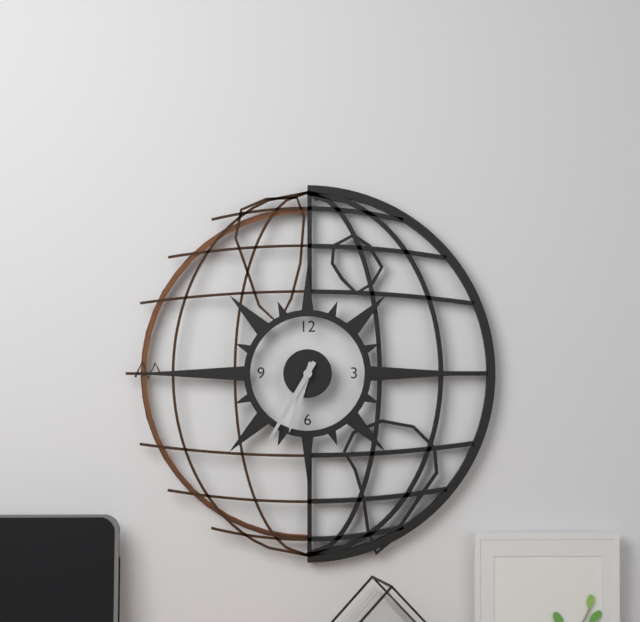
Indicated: **6:35**
